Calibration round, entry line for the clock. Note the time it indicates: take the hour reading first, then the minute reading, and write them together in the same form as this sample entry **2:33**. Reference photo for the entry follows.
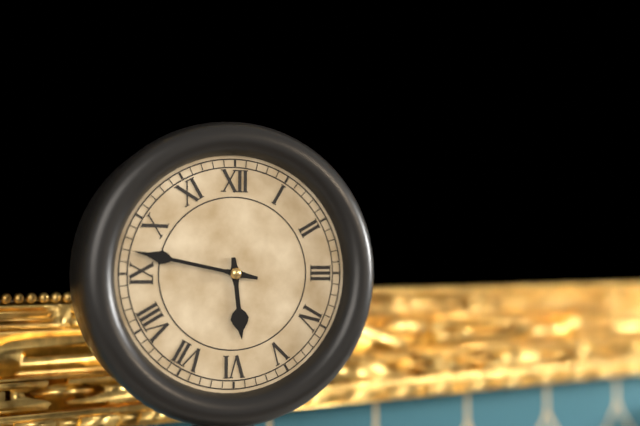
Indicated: **5:47**
